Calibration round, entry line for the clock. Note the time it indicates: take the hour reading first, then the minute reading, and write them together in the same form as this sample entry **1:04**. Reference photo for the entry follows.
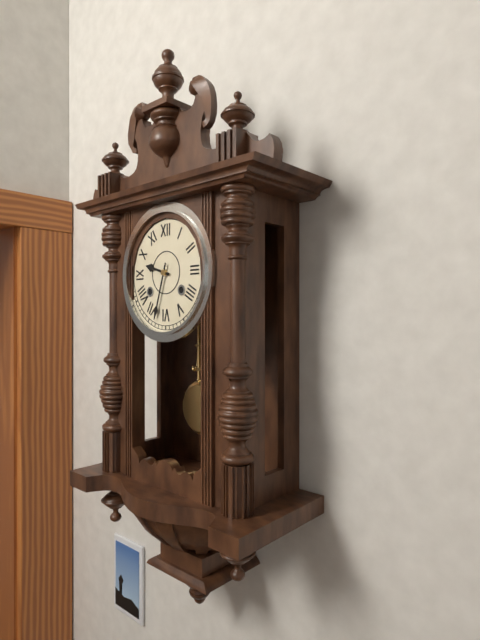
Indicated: **9:33**
